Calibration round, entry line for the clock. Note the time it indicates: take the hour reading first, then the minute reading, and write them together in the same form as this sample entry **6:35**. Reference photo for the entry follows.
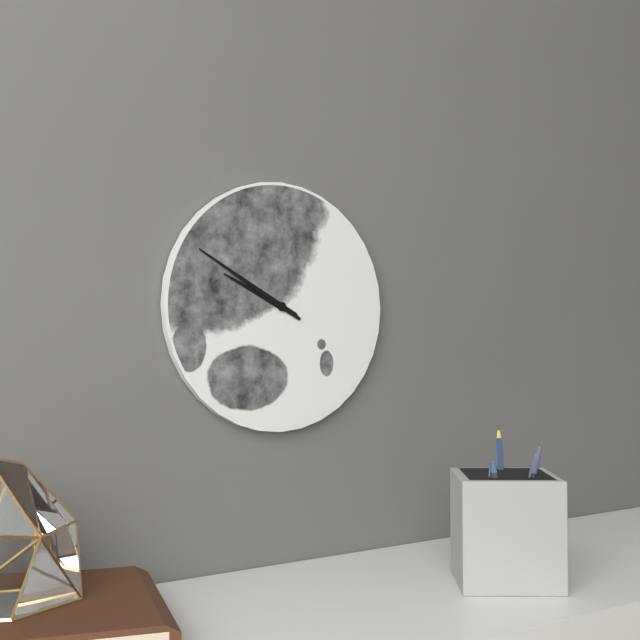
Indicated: **9:50**
